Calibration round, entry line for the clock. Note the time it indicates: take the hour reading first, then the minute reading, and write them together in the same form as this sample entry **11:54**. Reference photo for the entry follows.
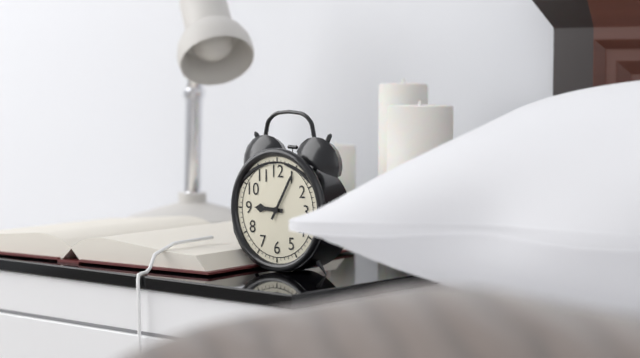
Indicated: **9:05**
